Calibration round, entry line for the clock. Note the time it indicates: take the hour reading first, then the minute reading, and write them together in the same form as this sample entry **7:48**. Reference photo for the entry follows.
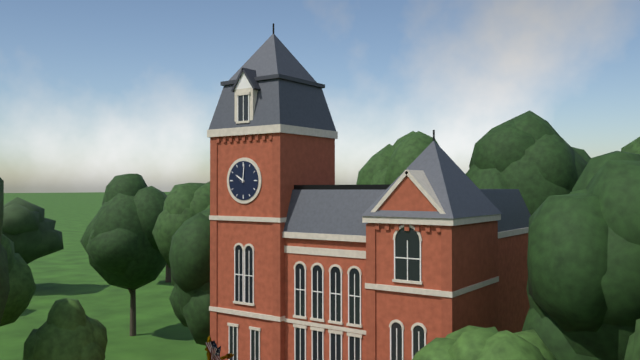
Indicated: **10:01**
